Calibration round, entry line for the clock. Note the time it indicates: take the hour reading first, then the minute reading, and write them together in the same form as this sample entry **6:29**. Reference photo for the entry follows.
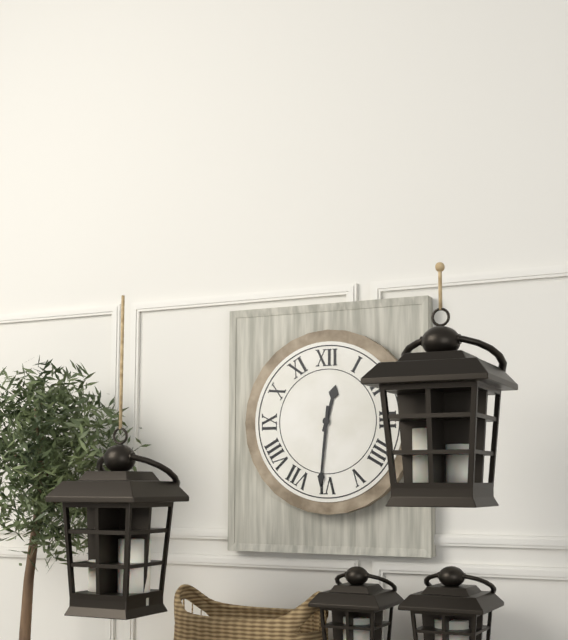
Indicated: **12:31**
